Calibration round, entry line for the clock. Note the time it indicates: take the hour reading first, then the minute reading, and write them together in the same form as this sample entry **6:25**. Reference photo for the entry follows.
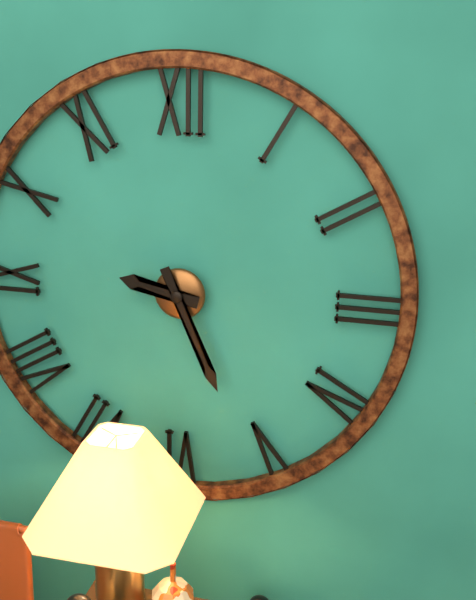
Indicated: **9:26**
